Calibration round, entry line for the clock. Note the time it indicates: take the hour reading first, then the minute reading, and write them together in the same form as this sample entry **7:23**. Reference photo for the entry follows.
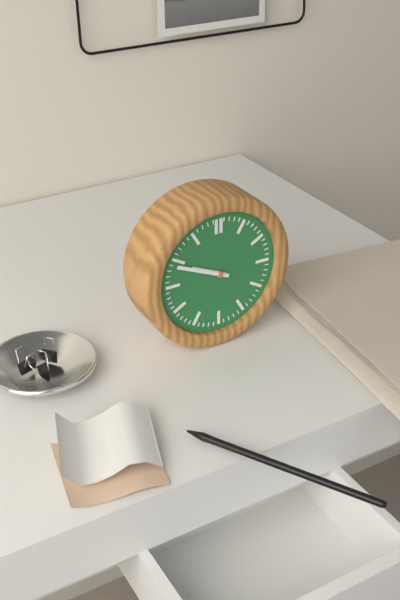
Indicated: **9:49**
